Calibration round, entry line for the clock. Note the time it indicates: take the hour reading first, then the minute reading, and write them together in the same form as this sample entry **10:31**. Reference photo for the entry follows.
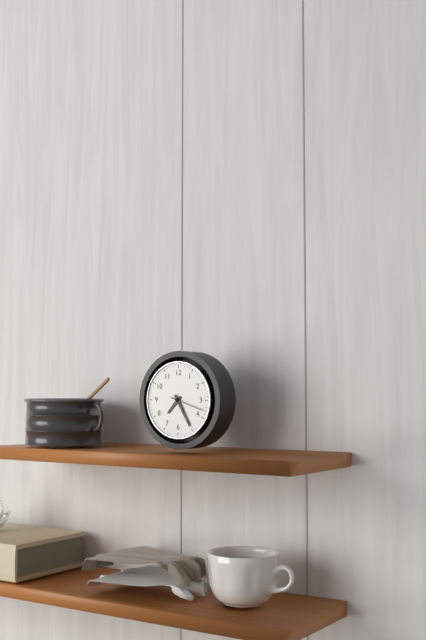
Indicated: **7:25**
